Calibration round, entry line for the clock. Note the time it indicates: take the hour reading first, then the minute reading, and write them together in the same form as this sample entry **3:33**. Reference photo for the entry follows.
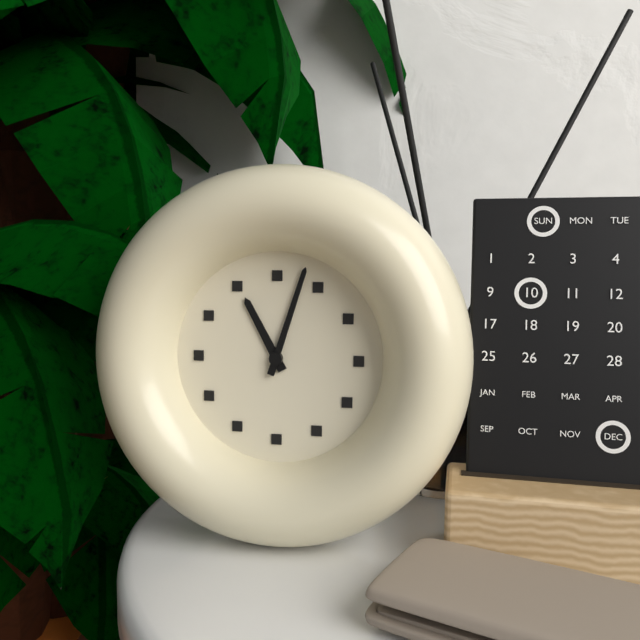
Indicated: **11:03**
